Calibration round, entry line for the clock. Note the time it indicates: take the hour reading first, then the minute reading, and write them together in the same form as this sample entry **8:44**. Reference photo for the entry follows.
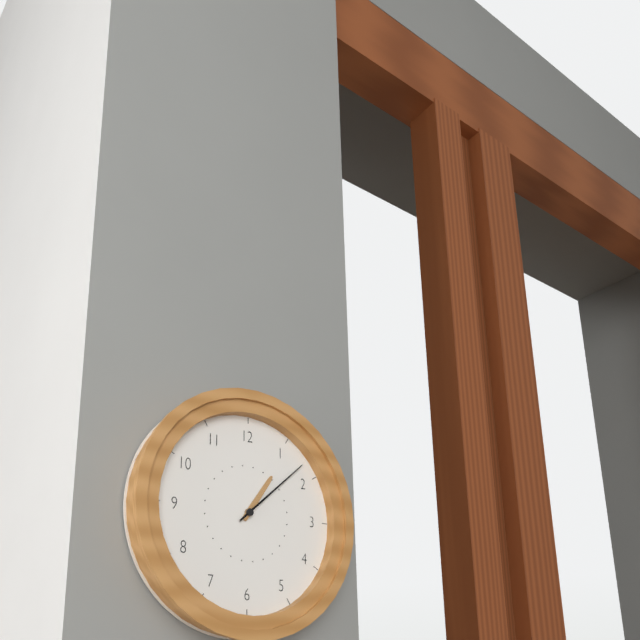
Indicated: **1:08**
